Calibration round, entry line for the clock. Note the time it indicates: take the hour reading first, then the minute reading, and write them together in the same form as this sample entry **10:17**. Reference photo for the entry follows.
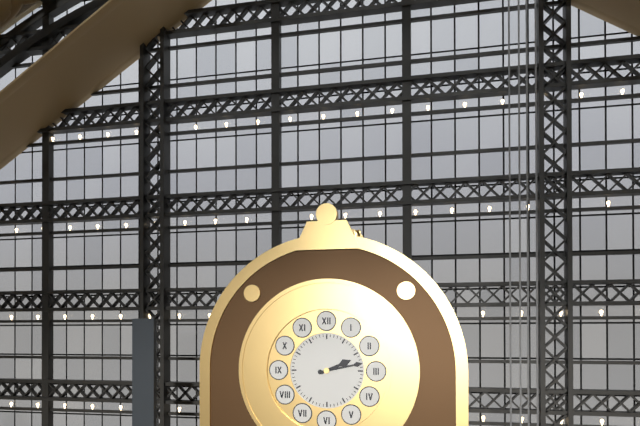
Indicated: **2:13**
